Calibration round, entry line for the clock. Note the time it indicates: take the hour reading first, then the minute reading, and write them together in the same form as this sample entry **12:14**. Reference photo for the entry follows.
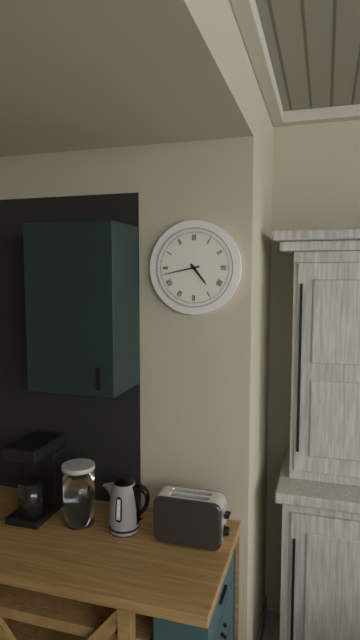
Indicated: **4:43**
